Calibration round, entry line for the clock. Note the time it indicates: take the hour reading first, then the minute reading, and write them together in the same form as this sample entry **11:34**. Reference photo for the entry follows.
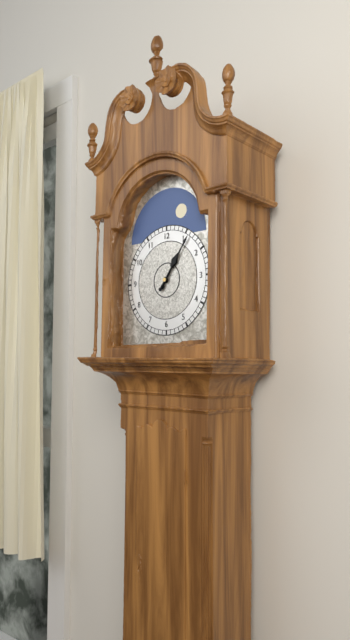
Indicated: **1:06**
